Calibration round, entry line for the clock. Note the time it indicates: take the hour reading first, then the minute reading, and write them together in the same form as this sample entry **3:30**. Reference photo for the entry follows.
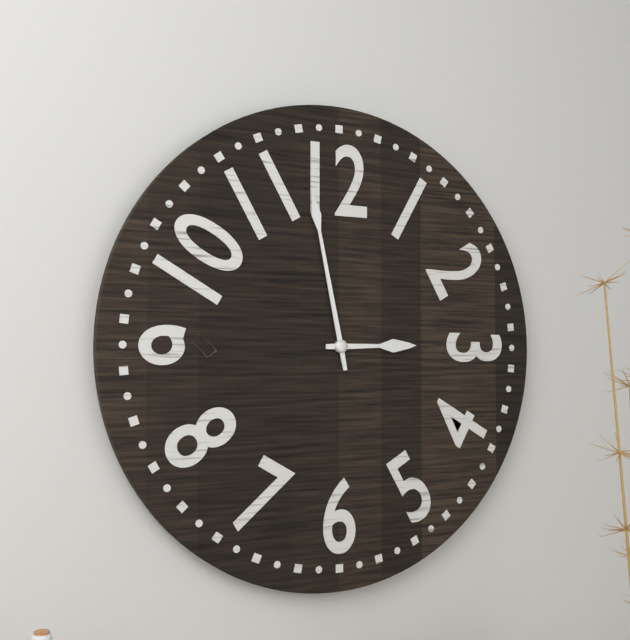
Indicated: **2:58**
